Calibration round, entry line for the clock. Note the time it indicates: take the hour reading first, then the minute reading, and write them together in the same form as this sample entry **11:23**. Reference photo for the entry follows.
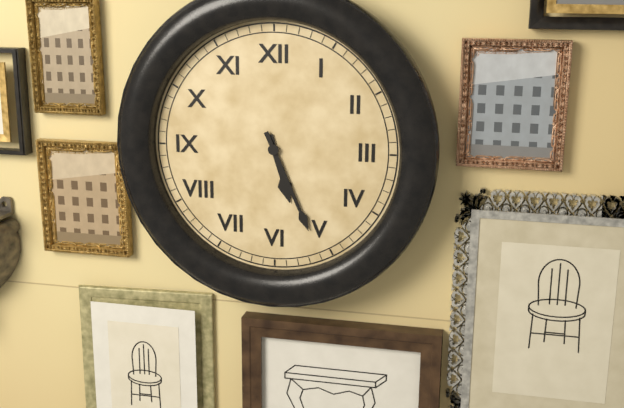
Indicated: **5:26**
